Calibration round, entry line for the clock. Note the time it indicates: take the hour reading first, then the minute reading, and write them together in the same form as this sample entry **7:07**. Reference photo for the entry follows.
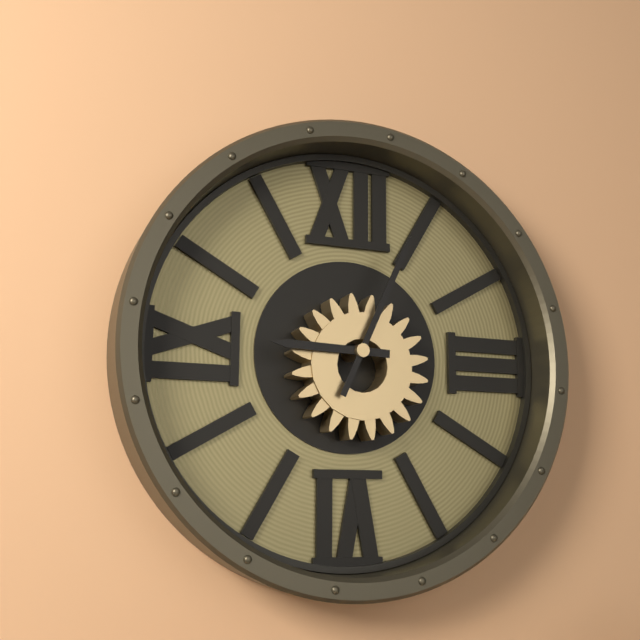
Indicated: **9:04**
